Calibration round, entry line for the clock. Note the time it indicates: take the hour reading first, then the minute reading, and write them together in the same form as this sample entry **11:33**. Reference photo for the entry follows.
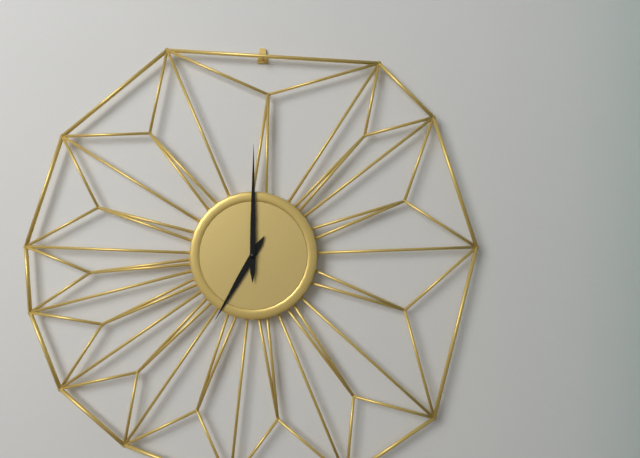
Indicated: **7:00**
